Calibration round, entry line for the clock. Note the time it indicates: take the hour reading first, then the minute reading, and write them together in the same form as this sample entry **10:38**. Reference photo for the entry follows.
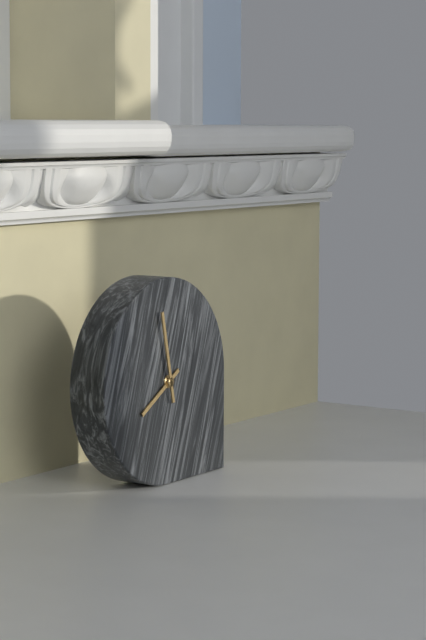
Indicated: **7:58**
